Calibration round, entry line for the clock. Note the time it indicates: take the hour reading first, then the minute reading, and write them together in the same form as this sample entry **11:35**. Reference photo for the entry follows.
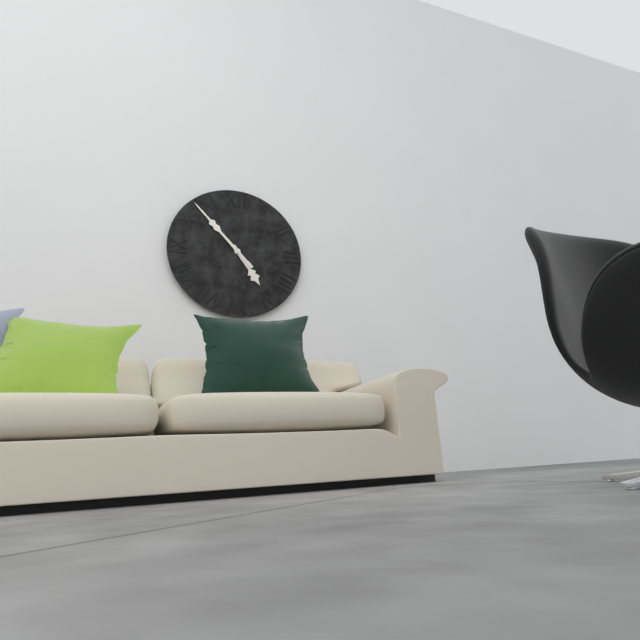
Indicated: **4:53**
